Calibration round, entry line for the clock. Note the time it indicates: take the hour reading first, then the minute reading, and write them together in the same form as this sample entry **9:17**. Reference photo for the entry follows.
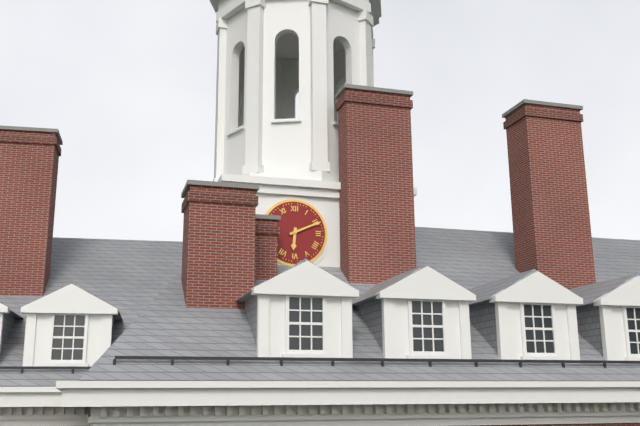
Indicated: **6:11**
